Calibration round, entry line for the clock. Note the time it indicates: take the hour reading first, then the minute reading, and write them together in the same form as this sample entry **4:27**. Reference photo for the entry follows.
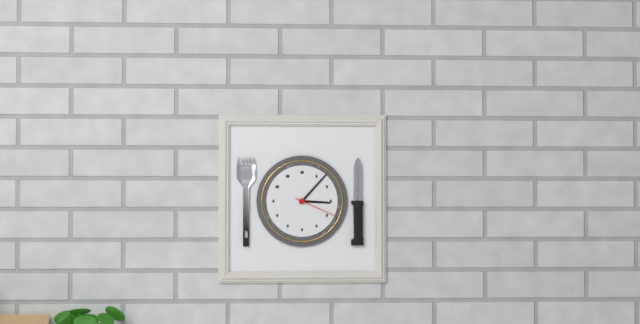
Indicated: **3:07**
